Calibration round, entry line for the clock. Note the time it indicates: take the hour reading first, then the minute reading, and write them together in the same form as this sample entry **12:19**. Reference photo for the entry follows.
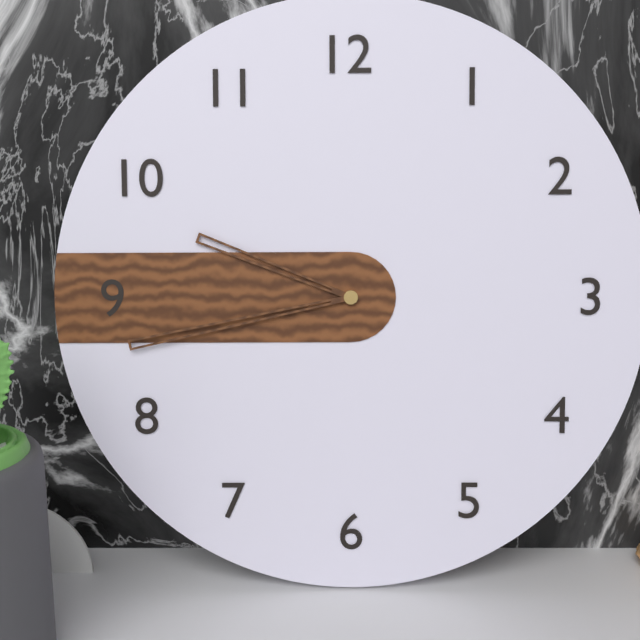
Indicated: **9:43**
